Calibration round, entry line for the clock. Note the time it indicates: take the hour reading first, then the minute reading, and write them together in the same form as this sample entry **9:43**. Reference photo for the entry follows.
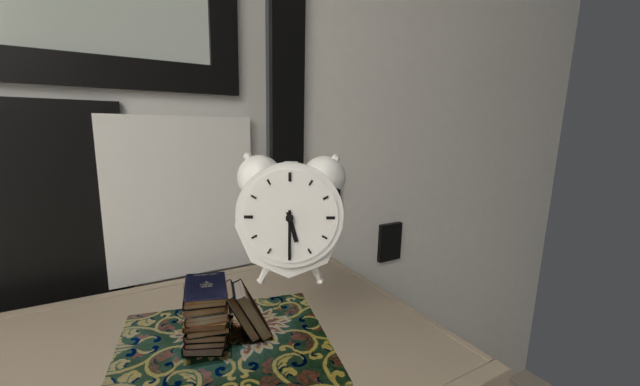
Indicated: **5:30**
